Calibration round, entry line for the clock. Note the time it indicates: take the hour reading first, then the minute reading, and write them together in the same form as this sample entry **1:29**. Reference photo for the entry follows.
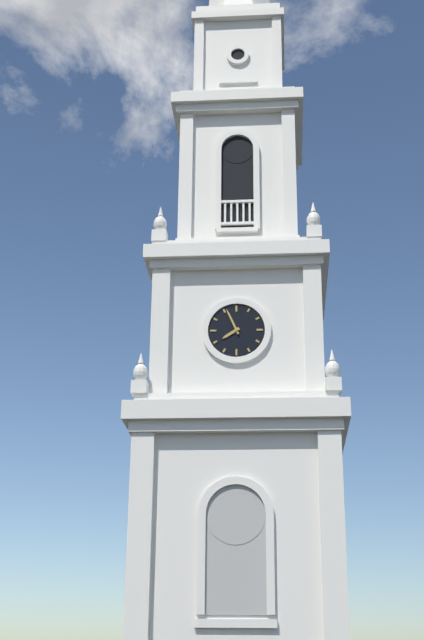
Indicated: **7:56**
